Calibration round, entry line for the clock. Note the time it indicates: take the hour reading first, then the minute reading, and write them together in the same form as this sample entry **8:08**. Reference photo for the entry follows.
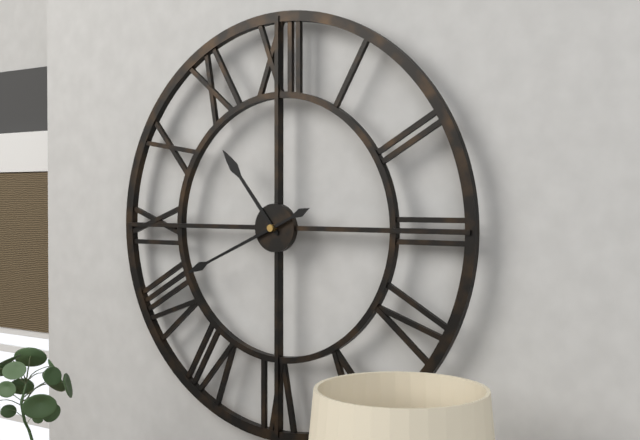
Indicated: **10:41**
